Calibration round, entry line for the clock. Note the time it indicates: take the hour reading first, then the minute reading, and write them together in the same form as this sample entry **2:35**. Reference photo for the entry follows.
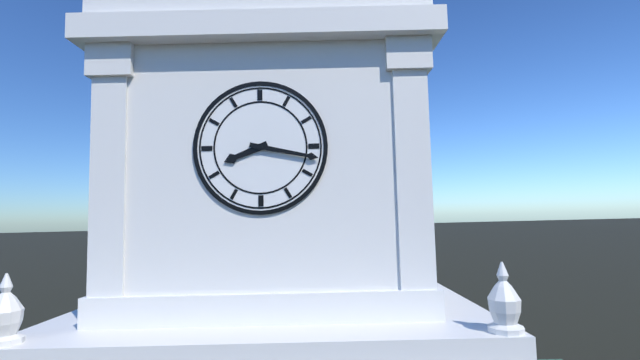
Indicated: **8:17**
